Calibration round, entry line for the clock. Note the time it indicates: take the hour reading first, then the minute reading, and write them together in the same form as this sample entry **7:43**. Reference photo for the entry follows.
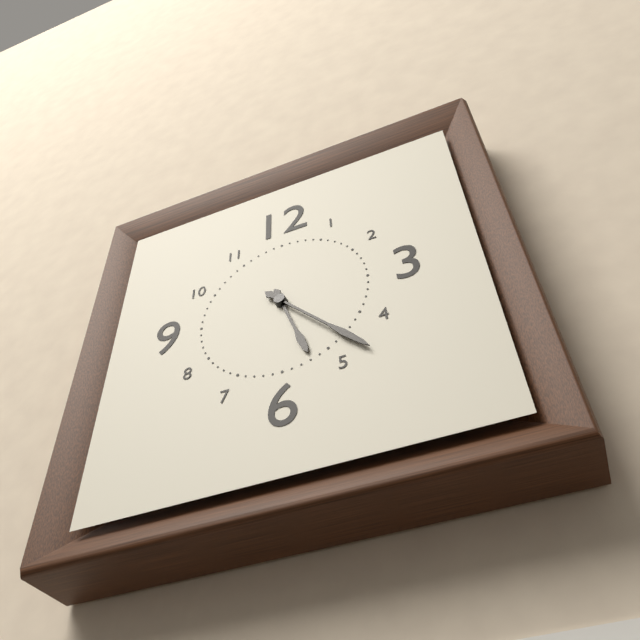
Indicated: **5:23**
